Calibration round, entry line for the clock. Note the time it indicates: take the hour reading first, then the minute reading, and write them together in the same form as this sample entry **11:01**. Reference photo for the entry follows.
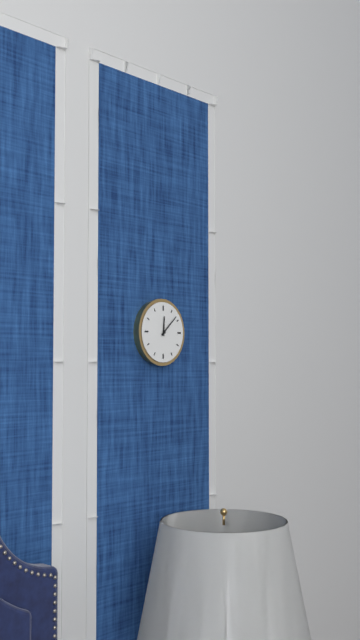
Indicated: **12:08**
